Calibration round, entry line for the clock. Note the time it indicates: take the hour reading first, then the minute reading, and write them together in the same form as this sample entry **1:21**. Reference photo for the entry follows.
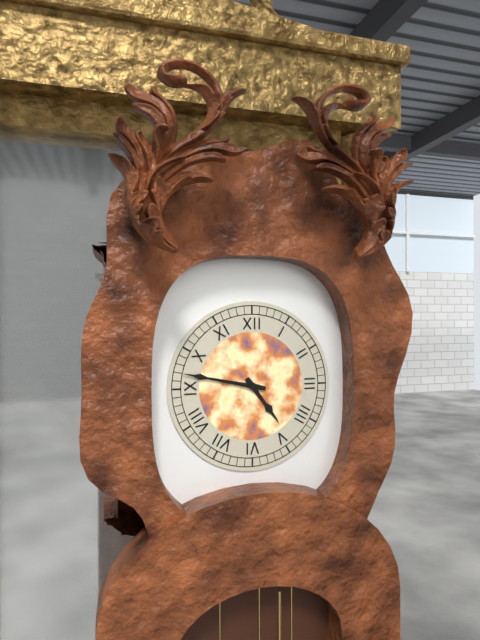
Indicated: **4:47**
